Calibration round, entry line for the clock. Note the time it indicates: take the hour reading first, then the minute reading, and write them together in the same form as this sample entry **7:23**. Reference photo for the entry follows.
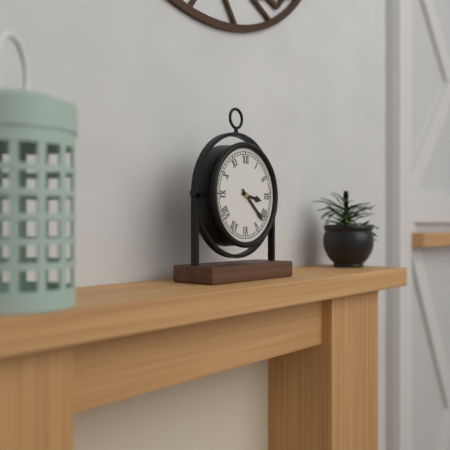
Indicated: **3:22**
